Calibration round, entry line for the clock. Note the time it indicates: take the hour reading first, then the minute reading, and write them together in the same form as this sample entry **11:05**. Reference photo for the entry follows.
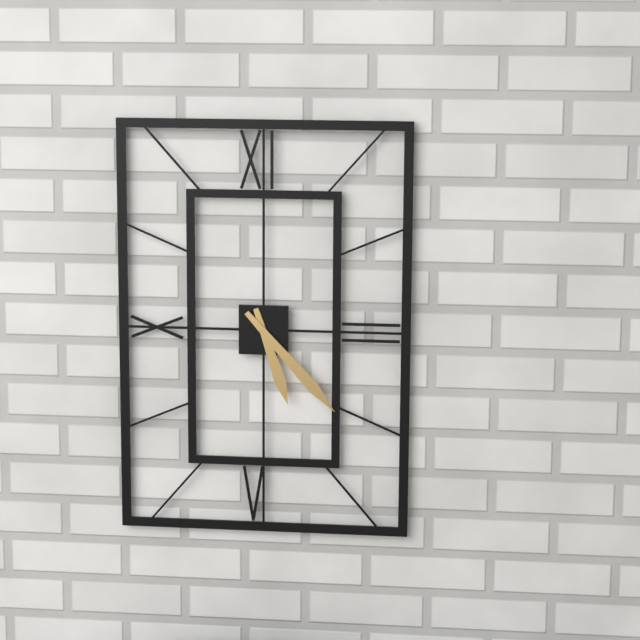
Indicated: **5:23**
